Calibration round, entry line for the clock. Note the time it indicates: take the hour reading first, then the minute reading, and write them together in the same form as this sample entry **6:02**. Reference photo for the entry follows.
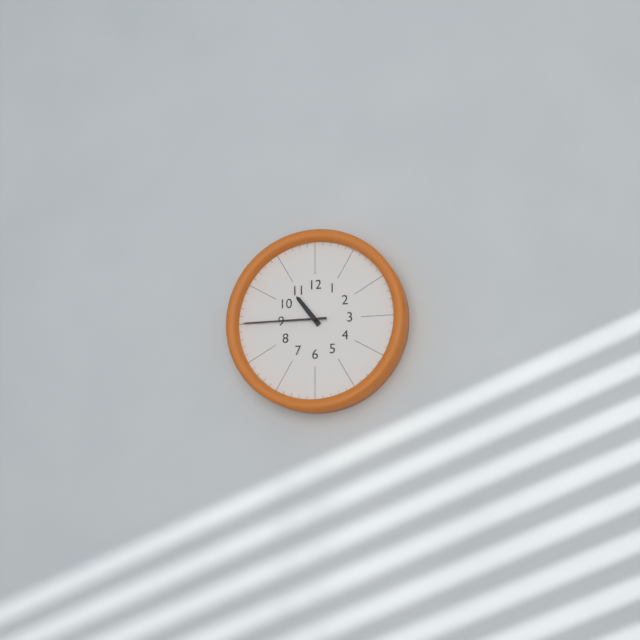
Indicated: **10:45**
